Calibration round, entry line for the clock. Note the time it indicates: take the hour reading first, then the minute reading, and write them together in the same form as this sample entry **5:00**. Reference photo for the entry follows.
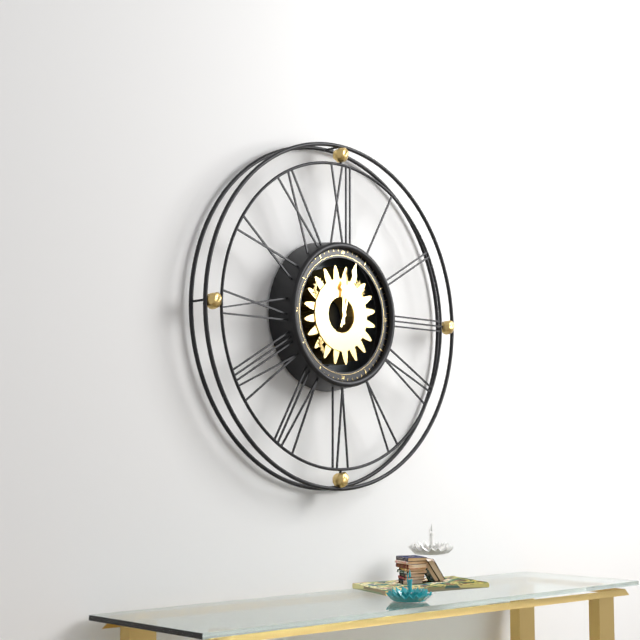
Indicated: **12:03**
